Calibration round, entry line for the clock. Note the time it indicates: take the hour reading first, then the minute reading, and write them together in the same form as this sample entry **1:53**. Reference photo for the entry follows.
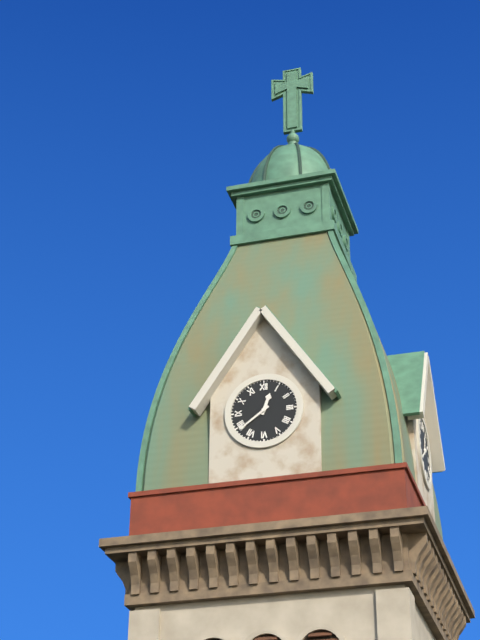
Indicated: **12:39**
